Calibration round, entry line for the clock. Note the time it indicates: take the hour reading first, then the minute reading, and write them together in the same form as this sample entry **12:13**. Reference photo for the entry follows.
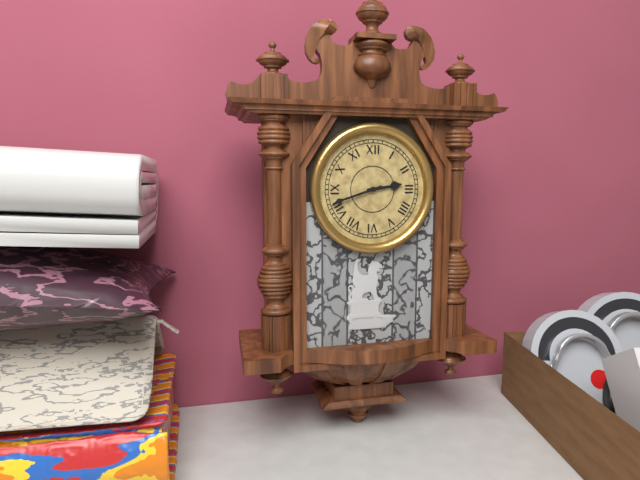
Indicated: **2:42**
